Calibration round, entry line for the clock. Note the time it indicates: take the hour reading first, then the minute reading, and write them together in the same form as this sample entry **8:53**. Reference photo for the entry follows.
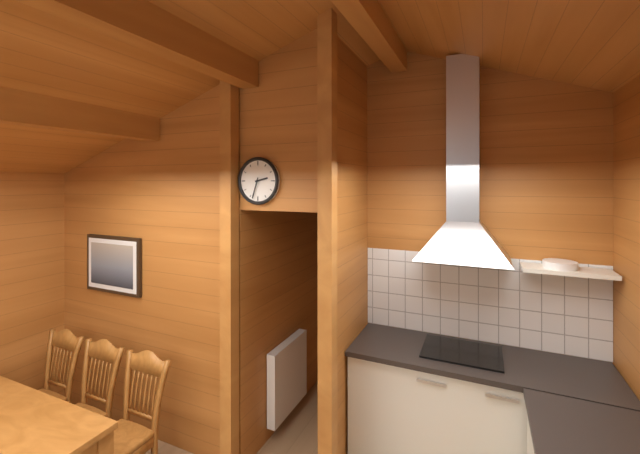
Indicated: **2:33**
